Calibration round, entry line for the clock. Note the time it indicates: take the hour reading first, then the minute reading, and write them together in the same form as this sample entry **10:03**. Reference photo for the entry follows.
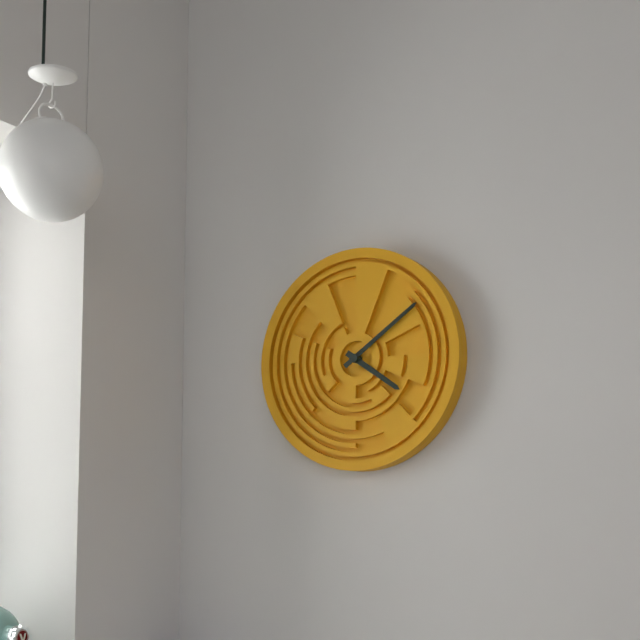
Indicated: **4:09**
